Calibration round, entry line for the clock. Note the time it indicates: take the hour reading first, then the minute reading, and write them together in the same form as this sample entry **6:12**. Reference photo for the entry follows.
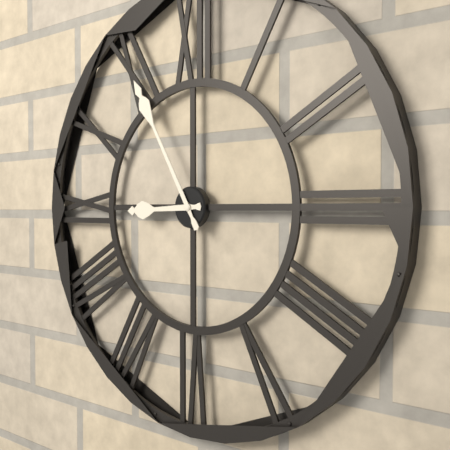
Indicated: **8:55**
